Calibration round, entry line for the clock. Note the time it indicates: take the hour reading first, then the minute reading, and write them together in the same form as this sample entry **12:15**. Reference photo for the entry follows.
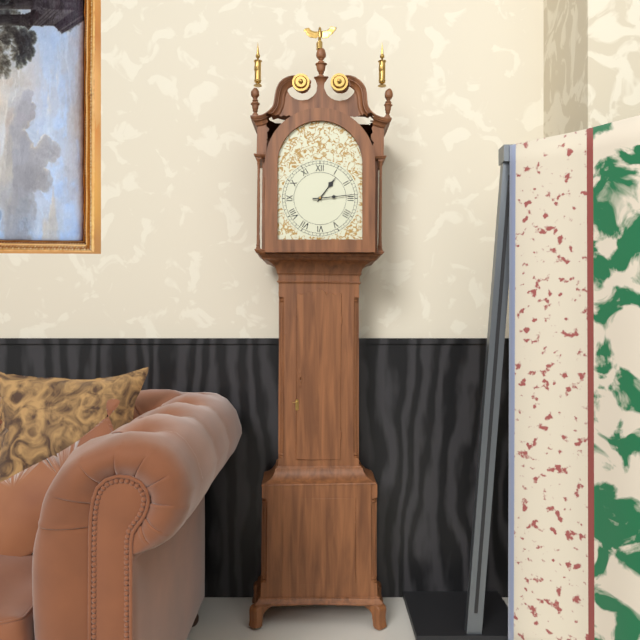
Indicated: **1:14**
